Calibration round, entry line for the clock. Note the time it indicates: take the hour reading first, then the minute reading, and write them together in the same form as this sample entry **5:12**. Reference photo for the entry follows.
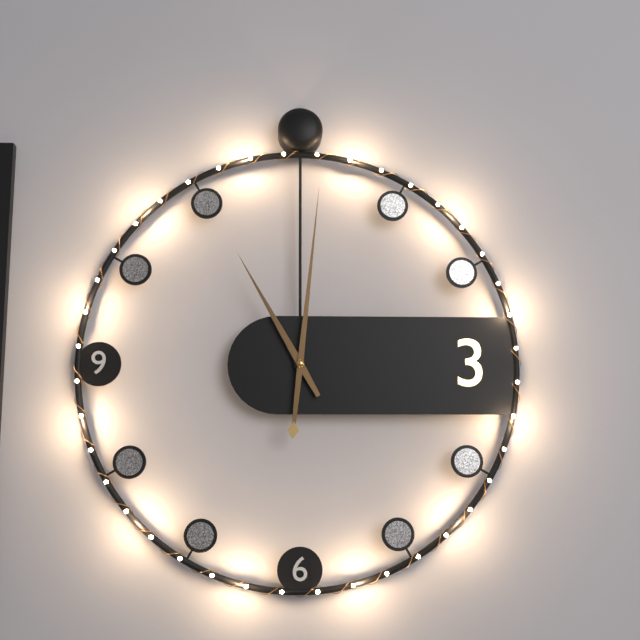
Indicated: **11:01**
